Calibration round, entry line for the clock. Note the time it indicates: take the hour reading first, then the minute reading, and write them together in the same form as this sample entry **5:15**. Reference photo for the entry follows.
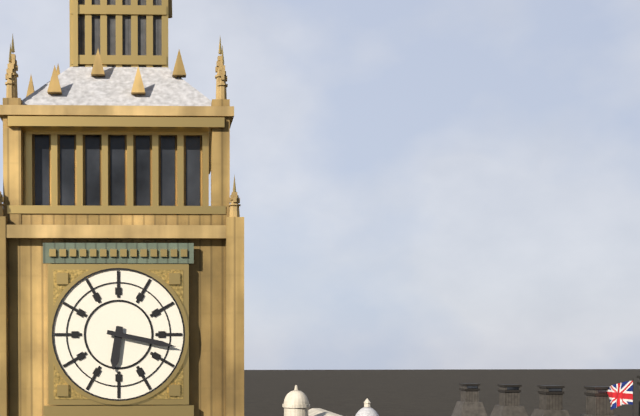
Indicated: **6:17**
